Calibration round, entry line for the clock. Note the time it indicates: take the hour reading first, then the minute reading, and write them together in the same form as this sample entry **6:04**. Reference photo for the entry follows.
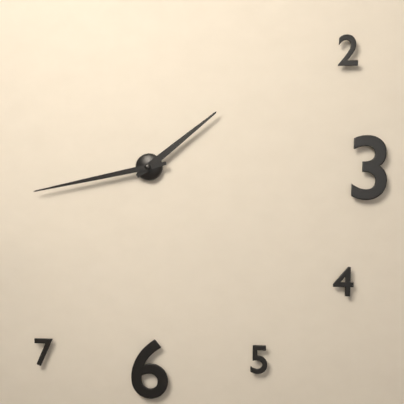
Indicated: **1:43**
